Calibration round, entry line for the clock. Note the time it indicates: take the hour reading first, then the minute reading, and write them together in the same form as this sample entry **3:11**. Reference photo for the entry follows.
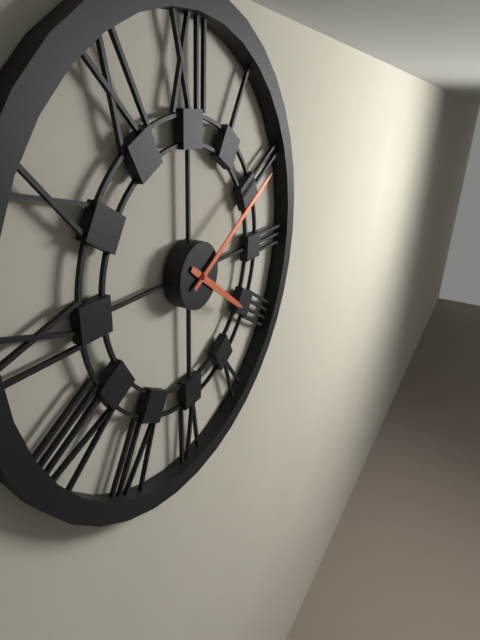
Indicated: **4:10**
